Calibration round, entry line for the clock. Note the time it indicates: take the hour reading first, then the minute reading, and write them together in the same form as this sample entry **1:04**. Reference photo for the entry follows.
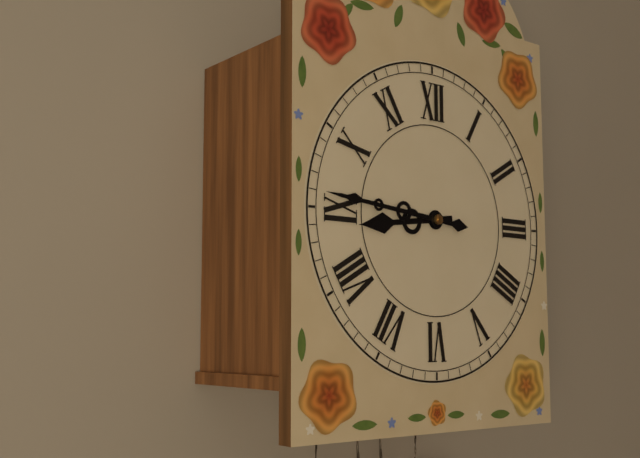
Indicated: **8:46**
